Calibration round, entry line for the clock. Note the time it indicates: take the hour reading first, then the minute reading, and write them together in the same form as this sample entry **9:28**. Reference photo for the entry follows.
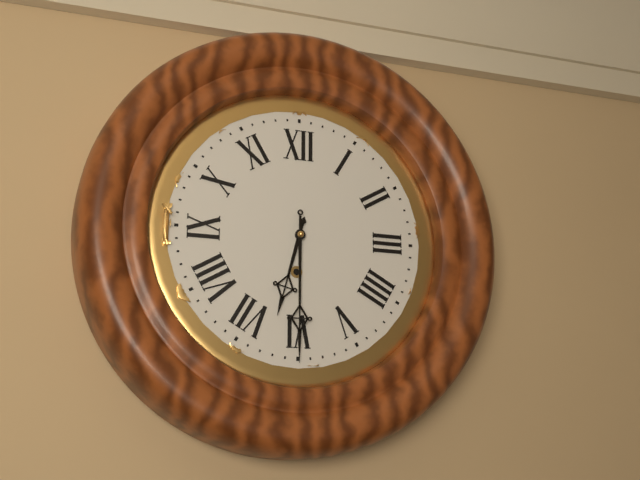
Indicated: **6:30**
